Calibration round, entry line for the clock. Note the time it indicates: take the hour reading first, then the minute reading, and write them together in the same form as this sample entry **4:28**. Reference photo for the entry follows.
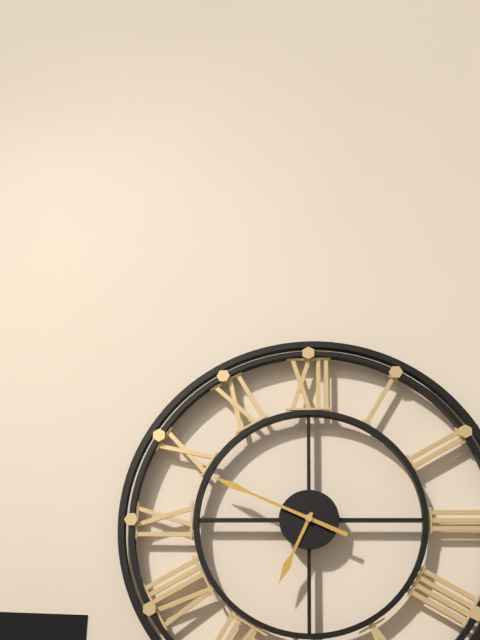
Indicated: **6:49**
